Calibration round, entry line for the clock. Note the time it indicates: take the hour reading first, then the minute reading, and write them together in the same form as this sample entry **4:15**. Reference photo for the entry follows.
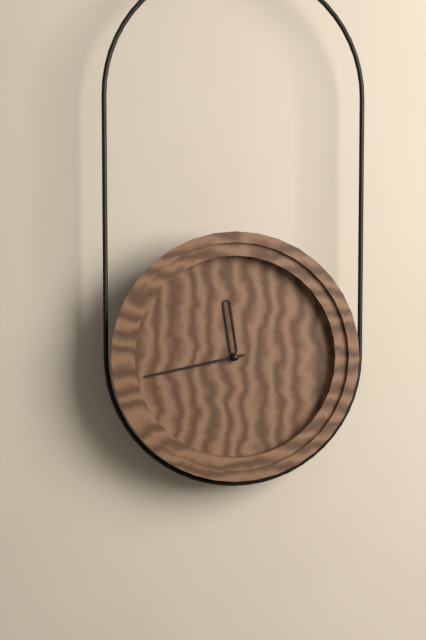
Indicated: **11:43**
